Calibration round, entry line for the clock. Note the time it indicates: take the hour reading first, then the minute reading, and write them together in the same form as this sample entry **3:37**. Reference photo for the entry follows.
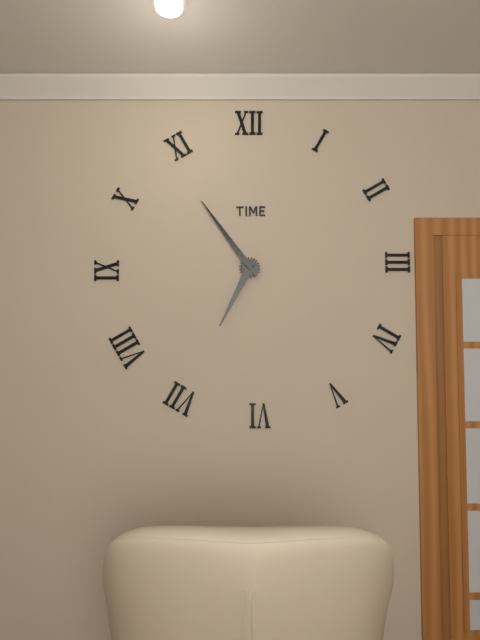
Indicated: **6:54**
